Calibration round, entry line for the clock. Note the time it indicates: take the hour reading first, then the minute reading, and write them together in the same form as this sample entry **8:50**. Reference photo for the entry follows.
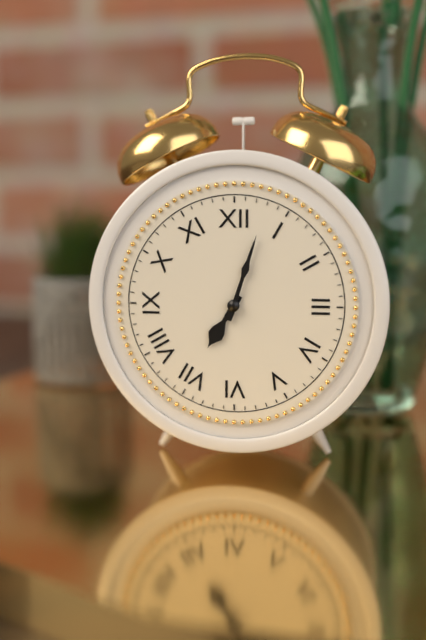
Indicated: **7:03**
